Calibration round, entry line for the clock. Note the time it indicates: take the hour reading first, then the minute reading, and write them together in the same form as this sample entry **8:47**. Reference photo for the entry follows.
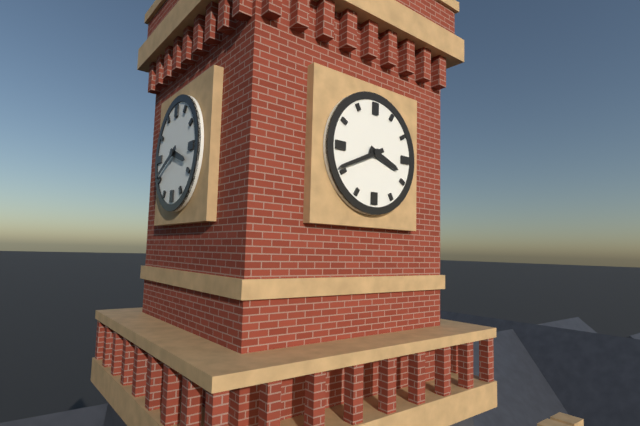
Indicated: **3:41**
